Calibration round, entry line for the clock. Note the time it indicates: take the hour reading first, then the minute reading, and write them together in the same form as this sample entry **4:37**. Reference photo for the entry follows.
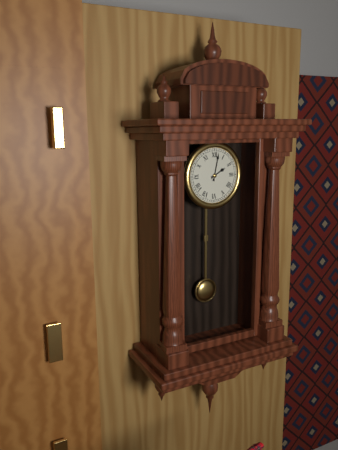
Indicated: **2:02**
